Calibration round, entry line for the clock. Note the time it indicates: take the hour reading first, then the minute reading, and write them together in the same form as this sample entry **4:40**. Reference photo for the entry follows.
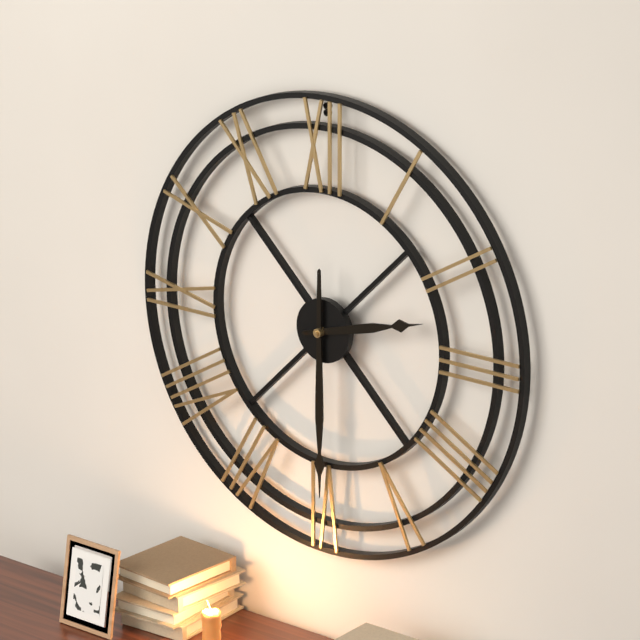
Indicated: **2:30**
